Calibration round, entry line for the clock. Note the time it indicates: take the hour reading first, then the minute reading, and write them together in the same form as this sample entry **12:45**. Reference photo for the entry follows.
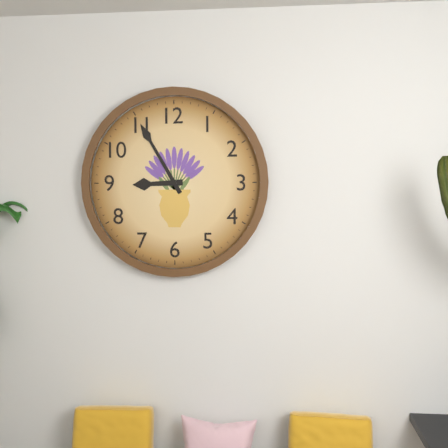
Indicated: **8:55**
